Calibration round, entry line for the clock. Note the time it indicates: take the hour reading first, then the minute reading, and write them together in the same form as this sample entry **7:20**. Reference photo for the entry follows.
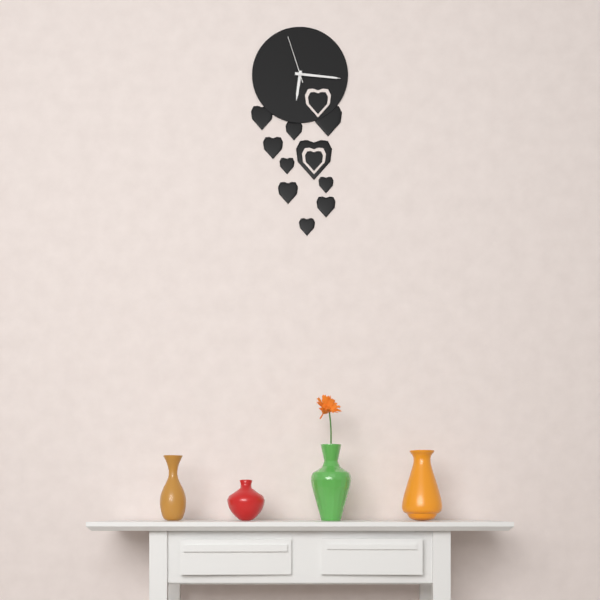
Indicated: **6:16**
